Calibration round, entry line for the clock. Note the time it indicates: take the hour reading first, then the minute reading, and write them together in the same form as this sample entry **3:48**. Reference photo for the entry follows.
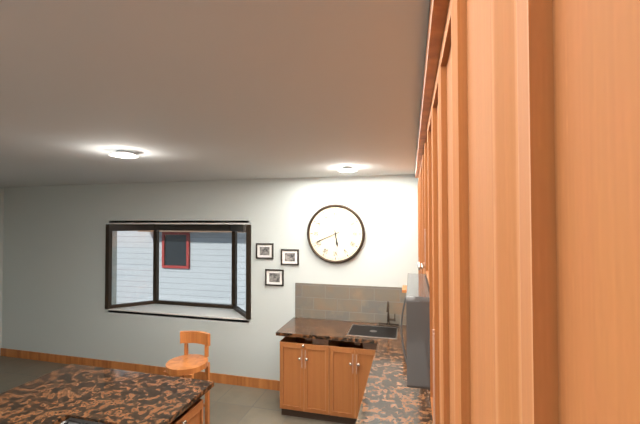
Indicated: **5:41**
